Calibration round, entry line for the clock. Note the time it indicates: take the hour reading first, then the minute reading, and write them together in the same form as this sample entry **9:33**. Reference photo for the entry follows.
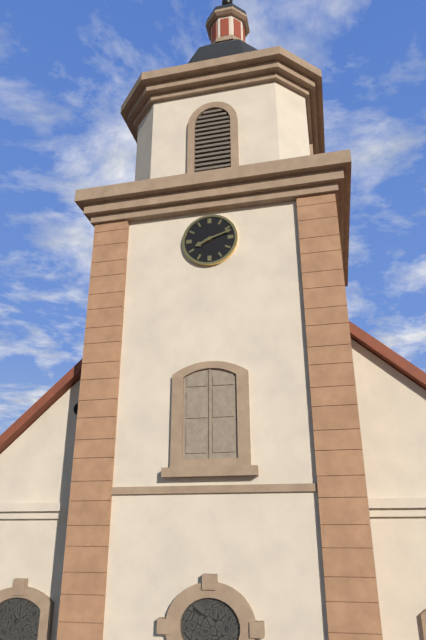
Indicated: **8:12**
